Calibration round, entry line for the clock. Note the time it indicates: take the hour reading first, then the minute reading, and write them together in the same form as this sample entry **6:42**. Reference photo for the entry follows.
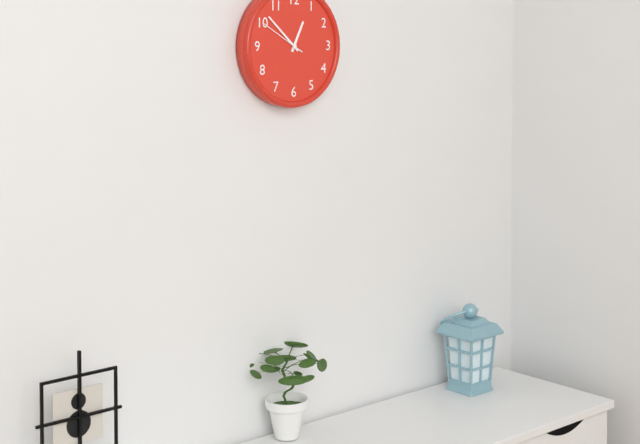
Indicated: **12:52**
